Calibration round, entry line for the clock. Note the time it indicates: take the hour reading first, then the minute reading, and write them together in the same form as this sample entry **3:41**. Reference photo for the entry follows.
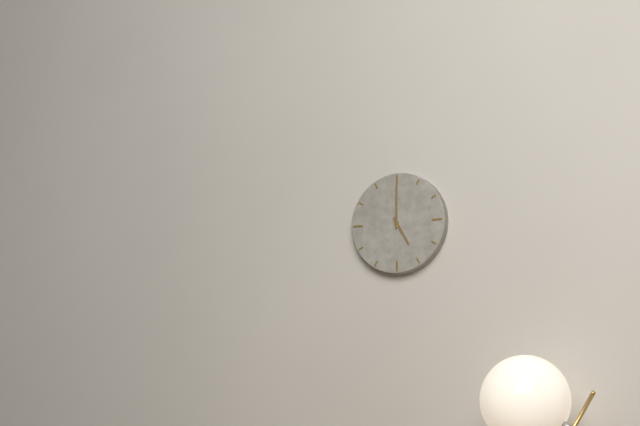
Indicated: **5:00**
